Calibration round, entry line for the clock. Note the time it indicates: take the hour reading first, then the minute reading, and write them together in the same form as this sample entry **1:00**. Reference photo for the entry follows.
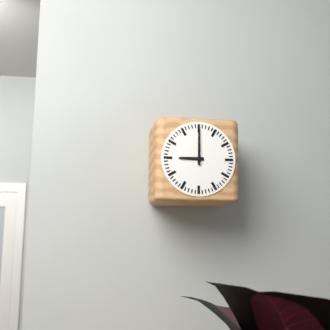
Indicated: **9:00**
